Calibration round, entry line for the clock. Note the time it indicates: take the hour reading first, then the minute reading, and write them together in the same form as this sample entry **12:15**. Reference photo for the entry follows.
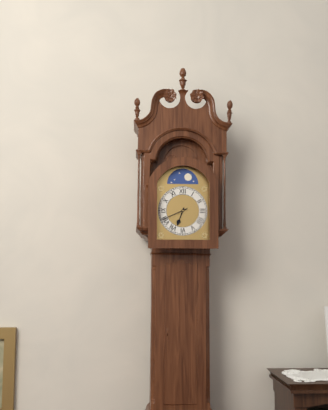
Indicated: **6:41**
